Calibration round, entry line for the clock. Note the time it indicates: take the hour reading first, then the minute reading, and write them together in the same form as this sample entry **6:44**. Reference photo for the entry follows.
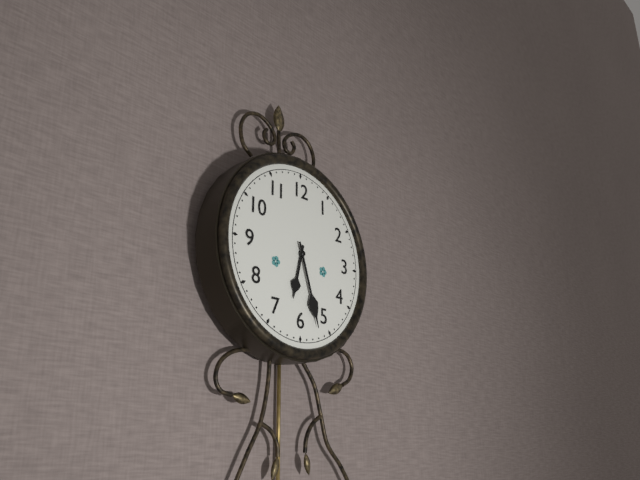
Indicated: **6:27**
